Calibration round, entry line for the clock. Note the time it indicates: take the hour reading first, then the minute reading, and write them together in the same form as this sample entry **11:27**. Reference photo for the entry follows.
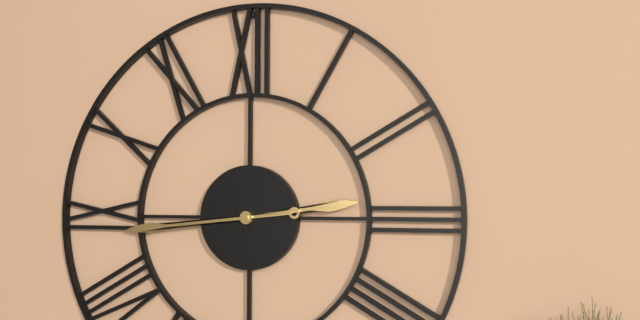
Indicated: **2:44**
